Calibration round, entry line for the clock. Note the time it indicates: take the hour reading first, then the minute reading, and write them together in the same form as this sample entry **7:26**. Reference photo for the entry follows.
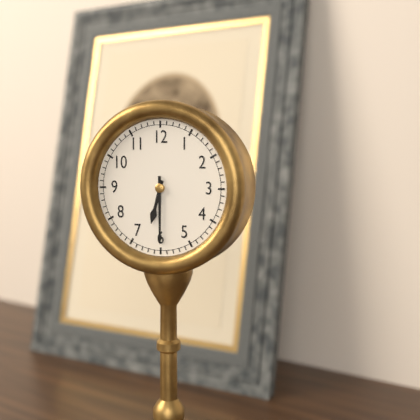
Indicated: **6:30**
